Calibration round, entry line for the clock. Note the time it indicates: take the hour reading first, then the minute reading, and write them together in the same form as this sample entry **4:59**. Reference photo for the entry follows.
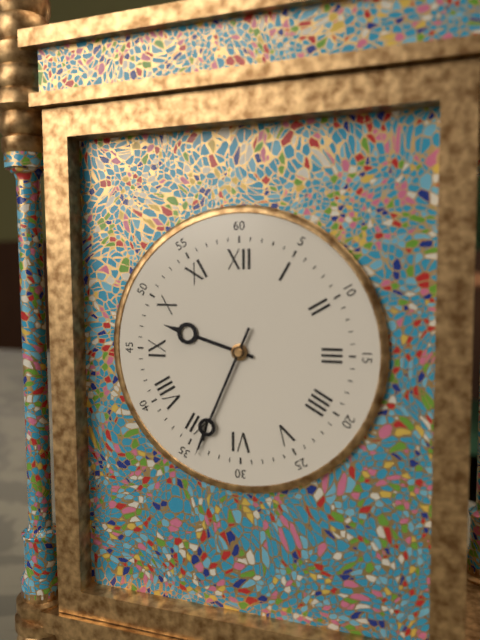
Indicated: **9:34**
